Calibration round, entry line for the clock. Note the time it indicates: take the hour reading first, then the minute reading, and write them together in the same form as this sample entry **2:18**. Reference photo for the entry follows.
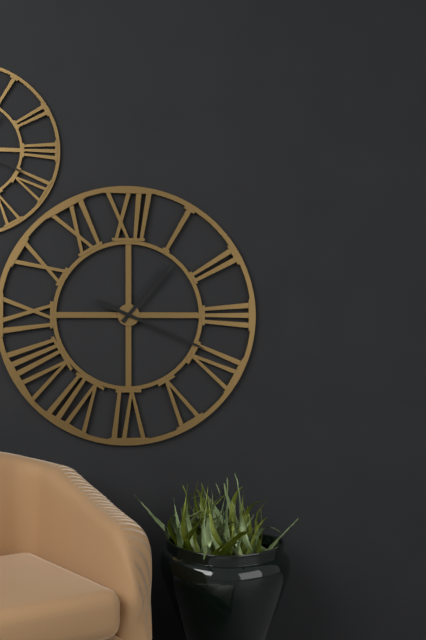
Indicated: **1:19**
